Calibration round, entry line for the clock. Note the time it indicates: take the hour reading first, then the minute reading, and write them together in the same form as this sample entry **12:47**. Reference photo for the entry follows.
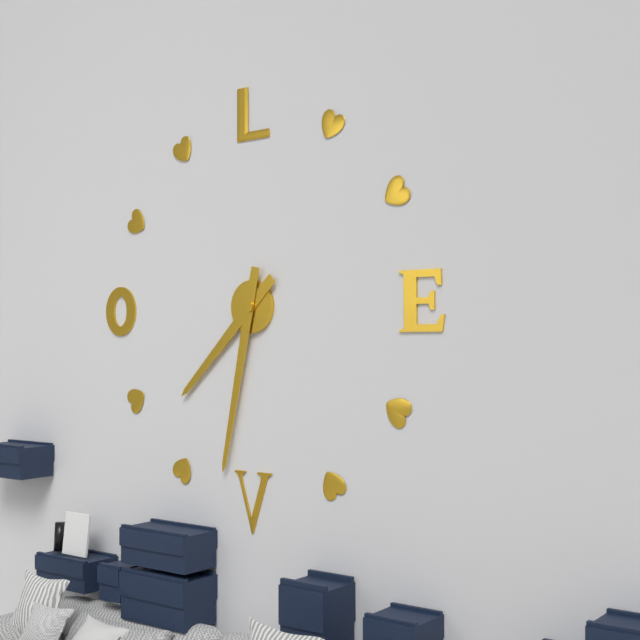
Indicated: **7:32**
